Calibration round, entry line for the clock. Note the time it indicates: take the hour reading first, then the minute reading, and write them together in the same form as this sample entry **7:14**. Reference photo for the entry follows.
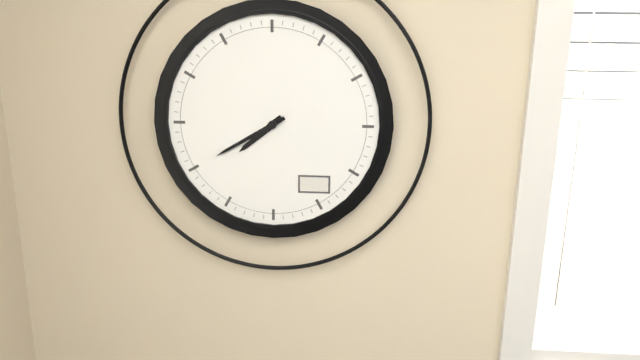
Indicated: **7:40**
